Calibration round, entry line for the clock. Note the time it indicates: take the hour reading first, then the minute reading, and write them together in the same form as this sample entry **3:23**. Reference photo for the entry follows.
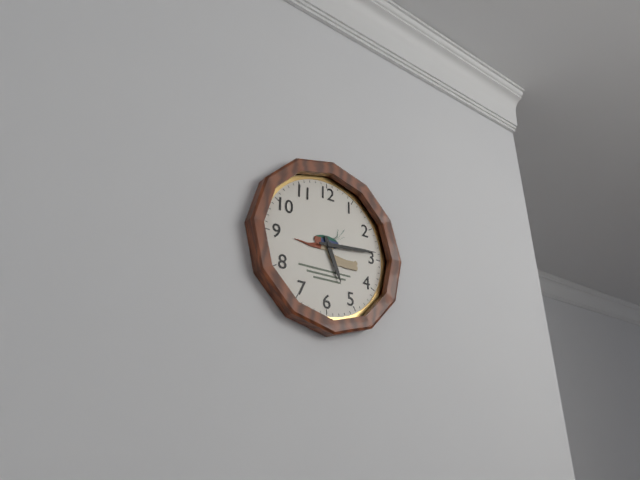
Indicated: **5:14**
